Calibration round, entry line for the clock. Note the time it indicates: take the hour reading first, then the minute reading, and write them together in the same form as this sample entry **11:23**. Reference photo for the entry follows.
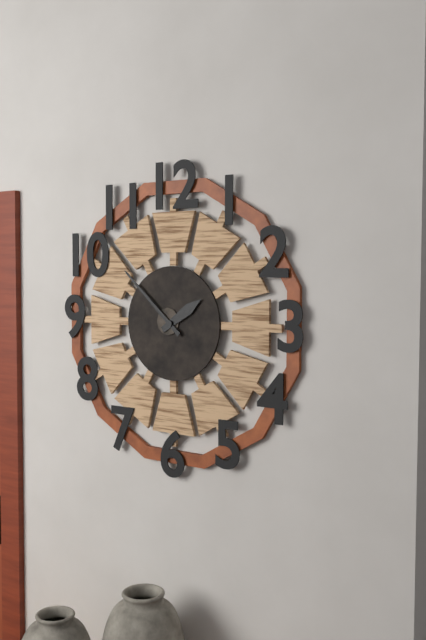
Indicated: **1:52**
